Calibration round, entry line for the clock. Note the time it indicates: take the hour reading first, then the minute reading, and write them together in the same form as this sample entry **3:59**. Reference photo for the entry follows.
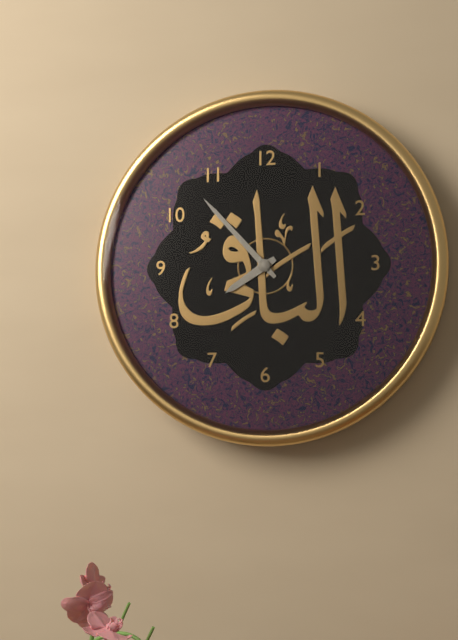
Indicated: **7:53**
